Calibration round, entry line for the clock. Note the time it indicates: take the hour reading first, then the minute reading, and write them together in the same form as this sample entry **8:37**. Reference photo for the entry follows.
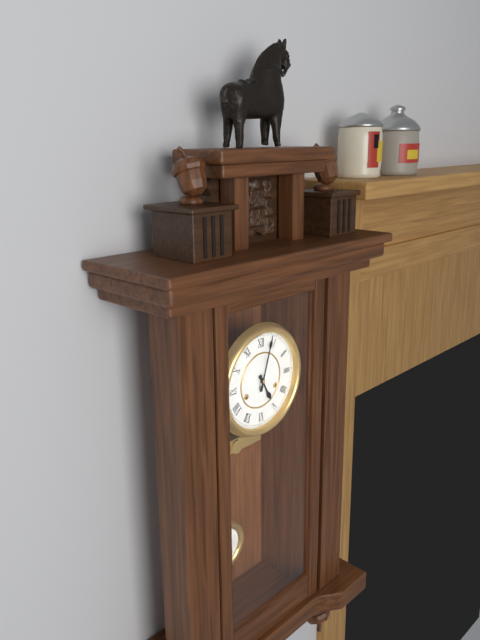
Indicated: **5:03**
